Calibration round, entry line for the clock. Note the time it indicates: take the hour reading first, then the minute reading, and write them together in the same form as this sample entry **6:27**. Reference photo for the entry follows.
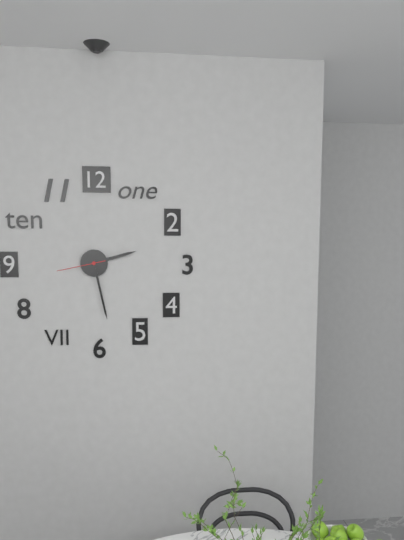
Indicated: **2:28**
